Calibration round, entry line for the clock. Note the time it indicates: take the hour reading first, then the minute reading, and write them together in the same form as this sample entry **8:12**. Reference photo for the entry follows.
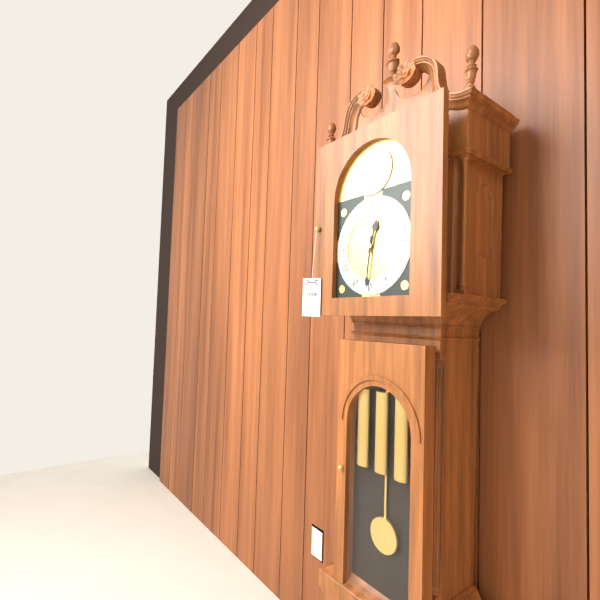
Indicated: **12:31**
